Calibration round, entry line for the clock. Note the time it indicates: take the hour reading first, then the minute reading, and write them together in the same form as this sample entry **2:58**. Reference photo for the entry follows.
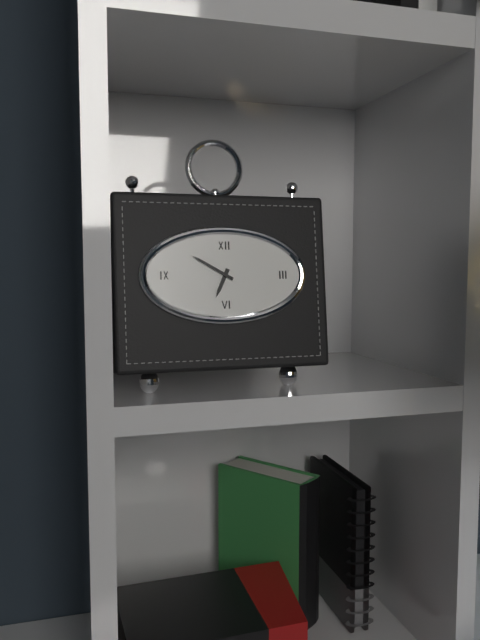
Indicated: **6:50**
